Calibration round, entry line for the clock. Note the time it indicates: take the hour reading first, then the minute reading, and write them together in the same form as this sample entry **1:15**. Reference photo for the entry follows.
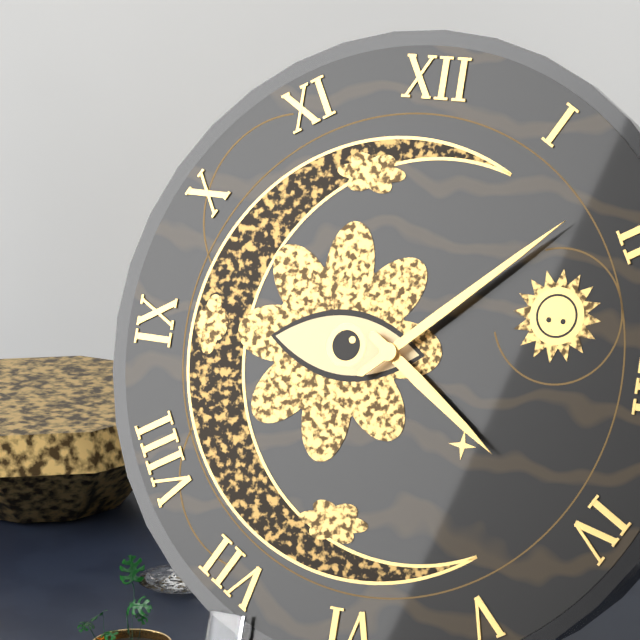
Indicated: **4:08**
